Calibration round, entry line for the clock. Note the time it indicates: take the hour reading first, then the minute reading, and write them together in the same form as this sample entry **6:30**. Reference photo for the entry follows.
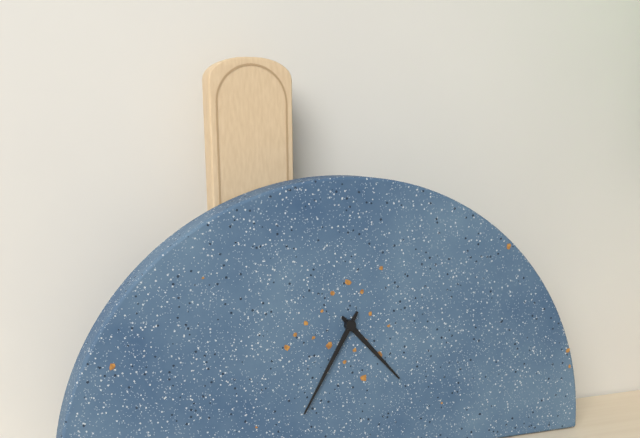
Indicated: **4:35**
